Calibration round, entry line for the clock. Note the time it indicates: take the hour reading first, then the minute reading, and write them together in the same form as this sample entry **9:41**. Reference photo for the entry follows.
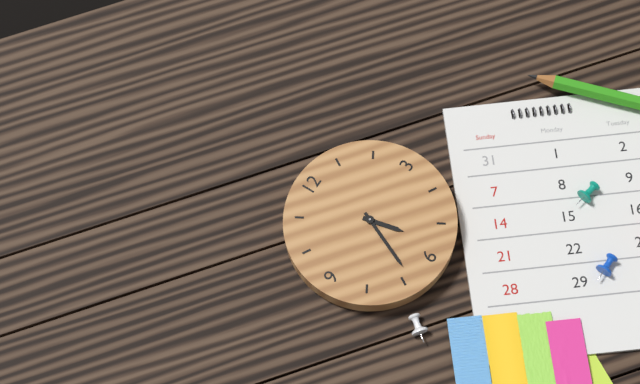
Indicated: **5:34**
